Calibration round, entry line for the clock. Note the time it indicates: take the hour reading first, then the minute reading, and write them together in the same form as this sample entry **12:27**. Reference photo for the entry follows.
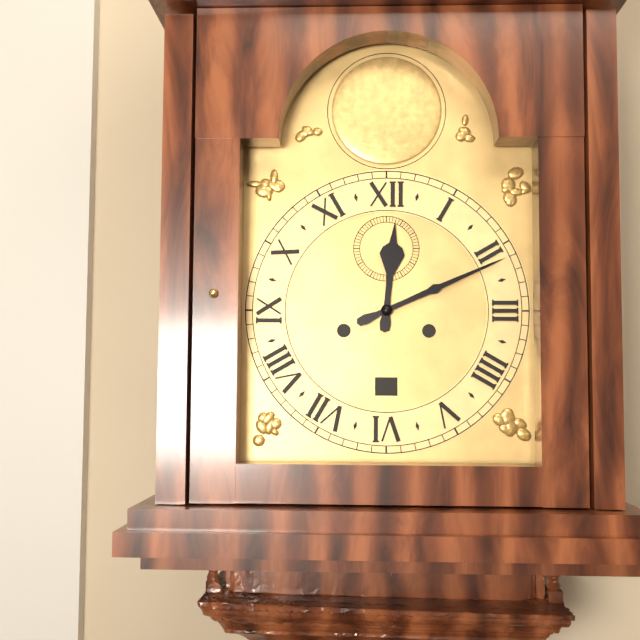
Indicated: **12:11**
